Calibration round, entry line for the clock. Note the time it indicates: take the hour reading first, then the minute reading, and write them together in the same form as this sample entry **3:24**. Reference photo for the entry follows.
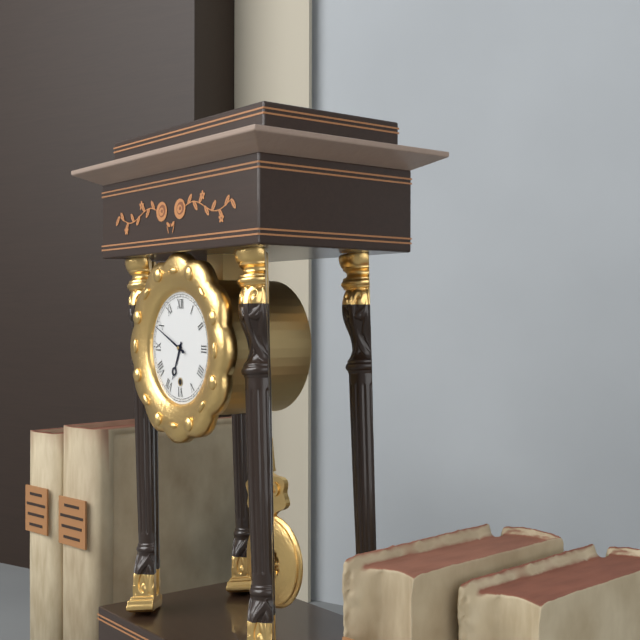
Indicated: **6:49**
